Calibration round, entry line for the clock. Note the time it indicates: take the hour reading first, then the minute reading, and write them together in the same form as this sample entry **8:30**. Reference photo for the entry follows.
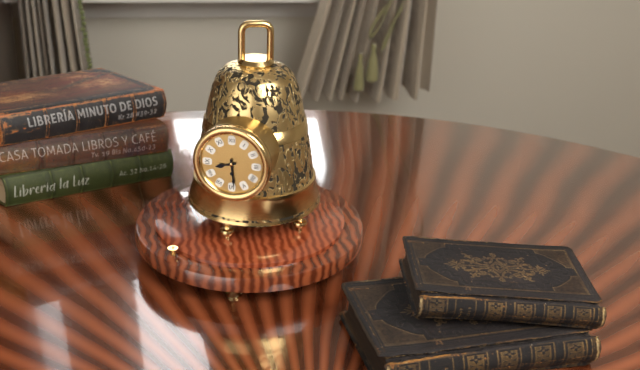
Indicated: **8:29**
